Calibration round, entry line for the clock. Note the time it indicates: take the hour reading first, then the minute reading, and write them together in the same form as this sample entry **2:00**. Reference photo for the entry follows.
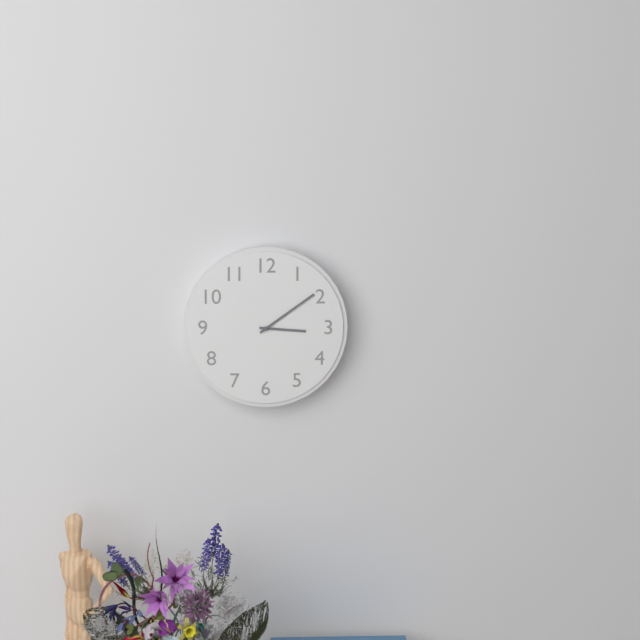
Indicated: **3:09**
